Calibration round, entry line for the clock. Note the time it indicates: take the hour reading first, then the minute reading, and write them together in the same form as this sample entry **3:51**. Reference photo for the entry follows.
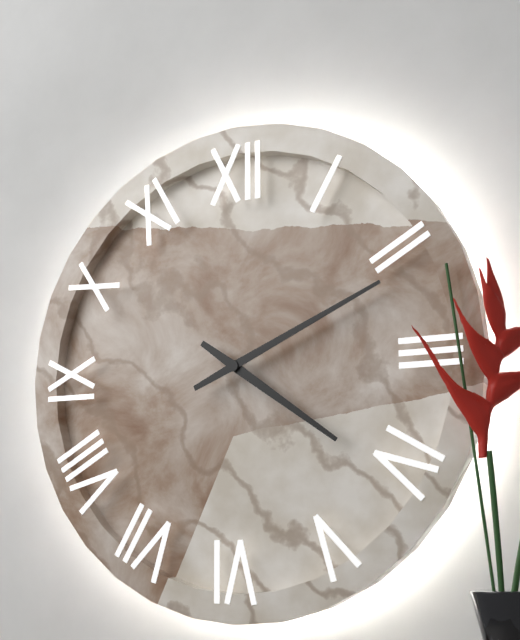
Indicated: **4:11**
